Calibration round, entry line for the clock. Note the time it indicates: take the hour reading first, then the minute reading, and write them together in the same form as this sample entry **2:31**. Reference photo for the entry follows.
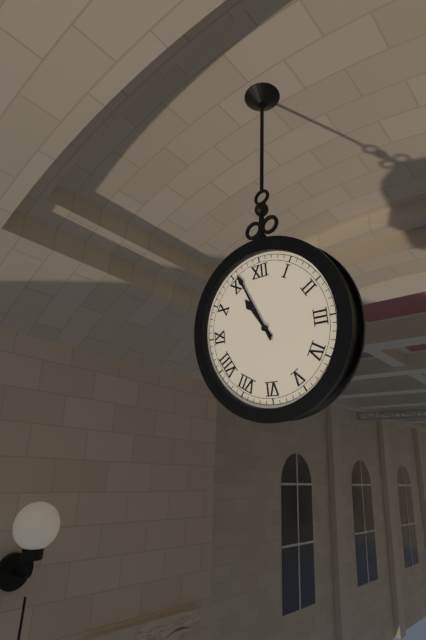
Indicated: **10:56**
